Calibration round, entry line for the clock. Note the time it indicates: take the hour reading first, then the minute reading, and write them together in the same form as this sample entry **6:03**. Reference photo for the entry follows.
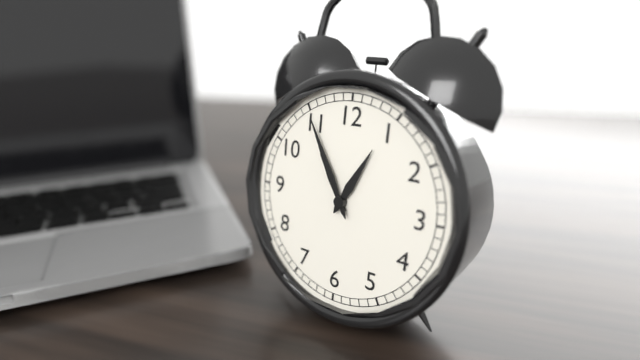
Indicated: **12:55**
